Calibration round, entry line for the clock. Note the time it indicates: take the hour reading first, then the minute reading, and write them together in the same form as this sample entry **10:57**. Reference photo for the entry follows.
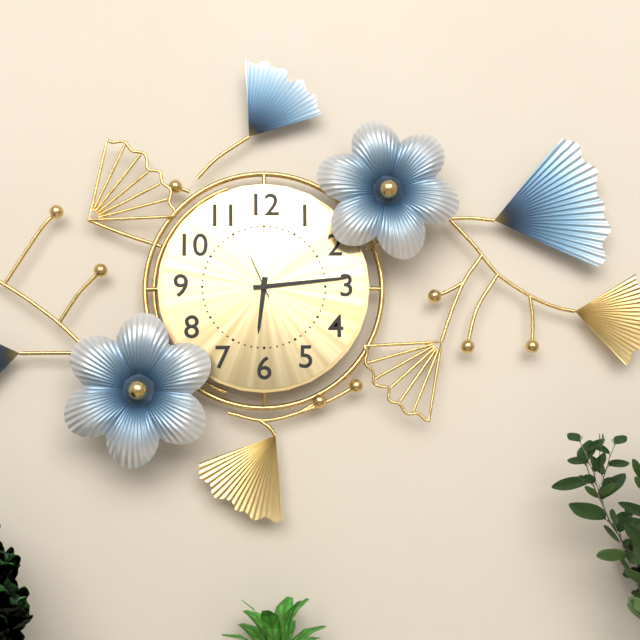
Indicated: **6:14**
